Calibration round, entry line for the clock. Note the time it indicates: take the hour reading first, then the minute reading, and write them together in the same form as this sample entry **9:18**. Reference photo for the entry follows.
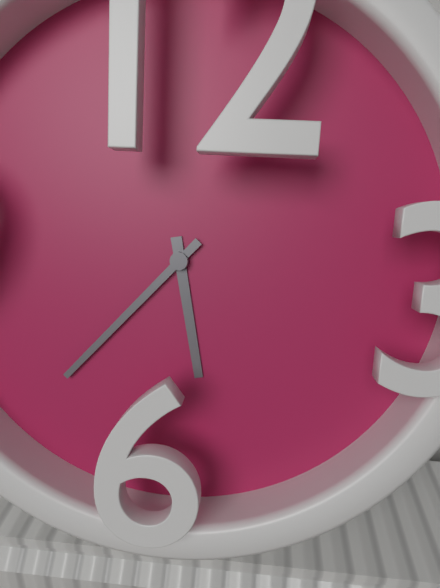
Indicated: **5:37**
